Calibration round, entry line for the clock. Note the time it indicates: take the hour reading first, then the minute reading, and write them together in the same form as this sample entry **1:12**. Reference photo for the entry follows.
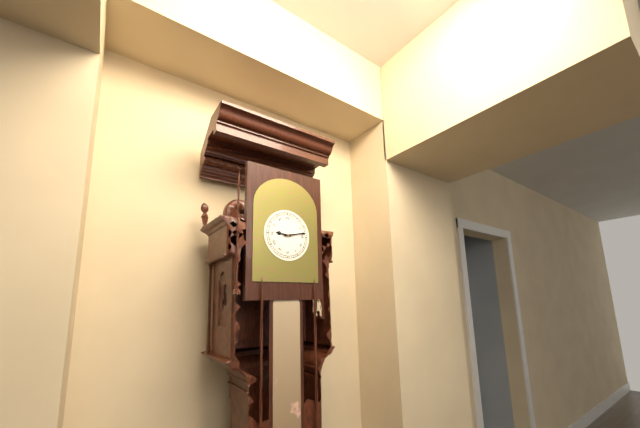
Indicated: **9:13**
